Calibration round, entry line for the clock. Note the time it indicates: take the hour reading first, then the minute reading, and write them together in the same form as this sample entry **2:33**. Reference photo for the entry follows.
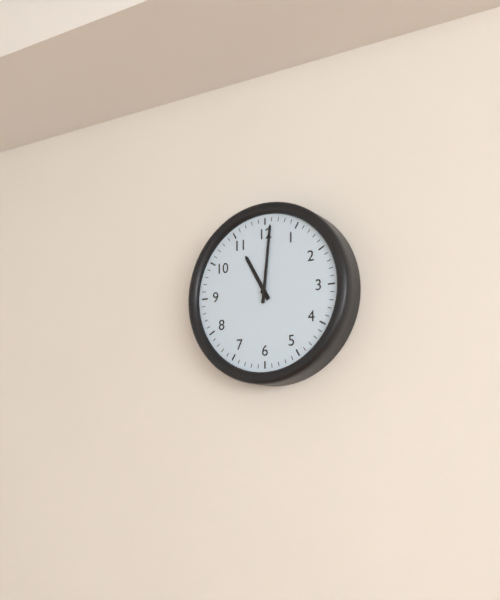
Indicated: **11:01**
